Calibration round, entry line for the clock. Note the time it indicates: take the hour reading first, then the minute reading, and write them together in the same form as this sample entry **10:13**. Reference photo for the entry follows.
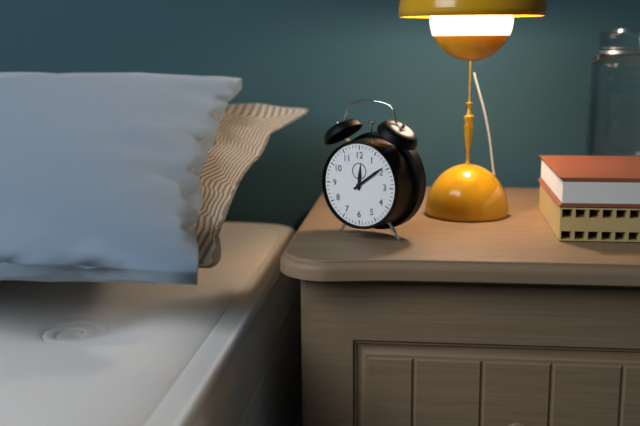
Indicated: **12:09**
